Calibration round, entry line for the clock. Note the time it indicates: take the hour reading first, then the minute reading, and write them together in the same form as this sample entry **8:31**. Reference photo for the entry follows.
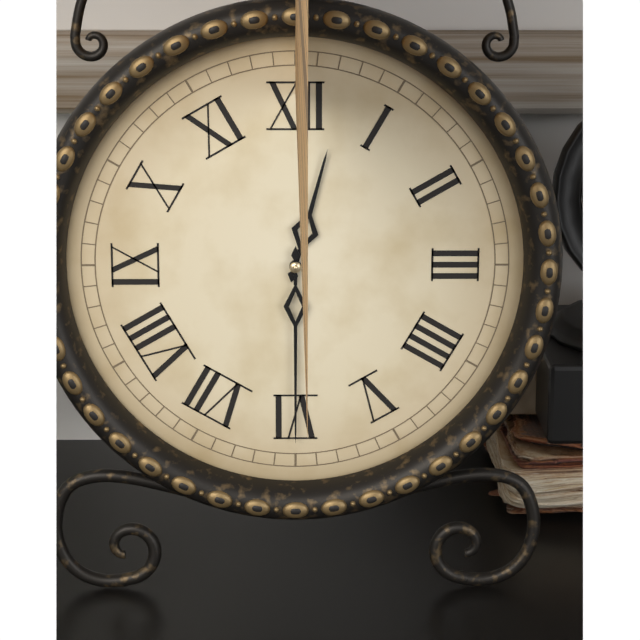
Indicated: **12:30**
